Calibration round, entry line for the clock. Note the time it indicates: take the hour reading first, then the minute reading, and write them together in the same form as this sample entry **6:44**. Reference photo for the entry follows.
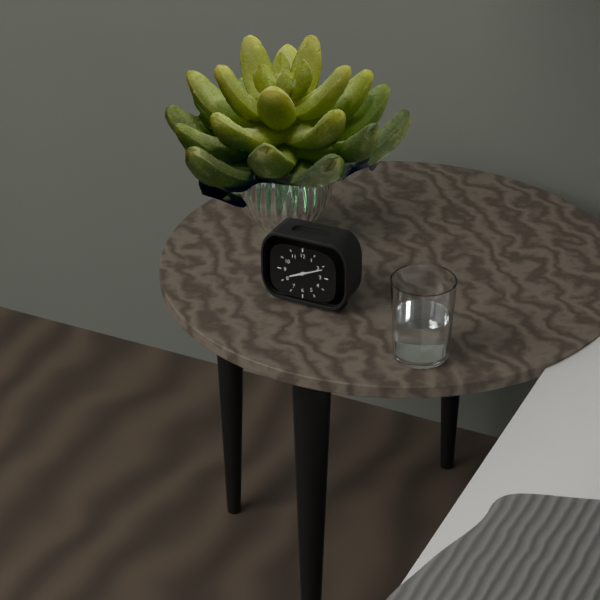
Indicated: **8:11**
